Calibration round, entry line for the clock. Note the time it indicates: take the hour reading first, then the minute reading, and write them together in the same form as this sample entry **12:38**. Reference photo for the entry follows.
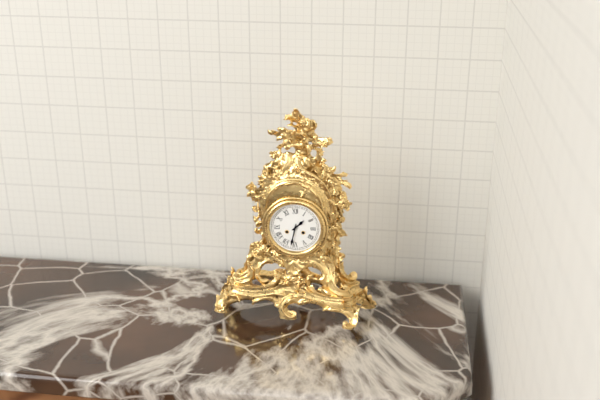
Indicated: **1:32**
